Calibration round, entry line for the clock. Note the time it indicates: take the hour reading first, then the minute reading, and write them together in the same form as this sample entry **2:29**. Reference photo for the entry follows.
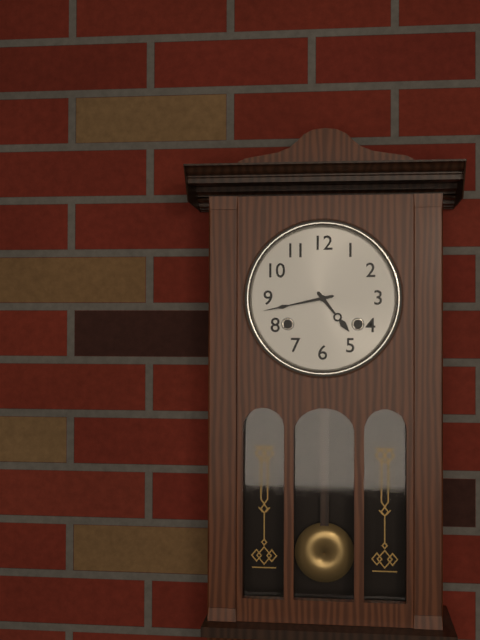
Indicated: **4:43**
